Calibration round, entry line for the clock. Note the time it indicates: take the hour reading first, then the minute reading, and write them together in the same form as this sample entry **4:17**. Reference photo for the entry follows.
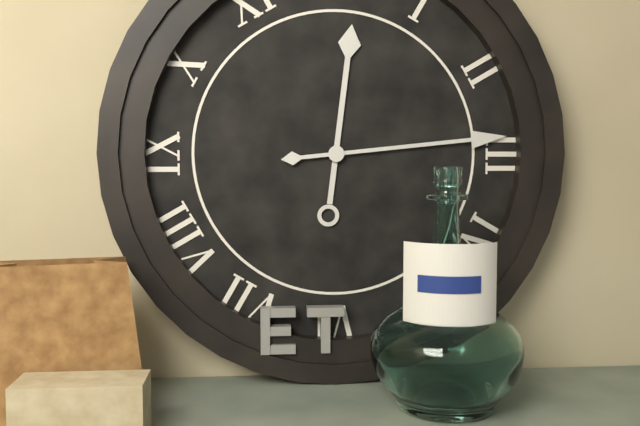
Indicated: **12:14**
